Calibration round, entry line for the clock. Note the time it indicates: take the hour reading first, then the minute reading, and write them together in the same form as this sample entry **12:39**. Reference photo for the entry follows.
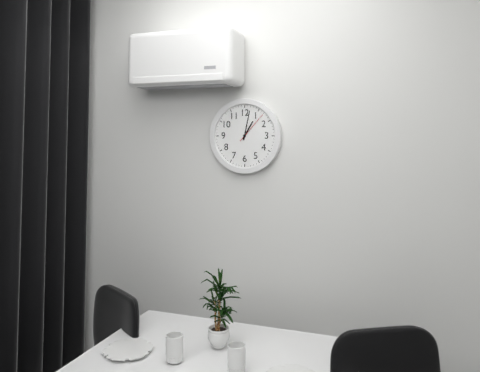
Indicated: **1:02**
